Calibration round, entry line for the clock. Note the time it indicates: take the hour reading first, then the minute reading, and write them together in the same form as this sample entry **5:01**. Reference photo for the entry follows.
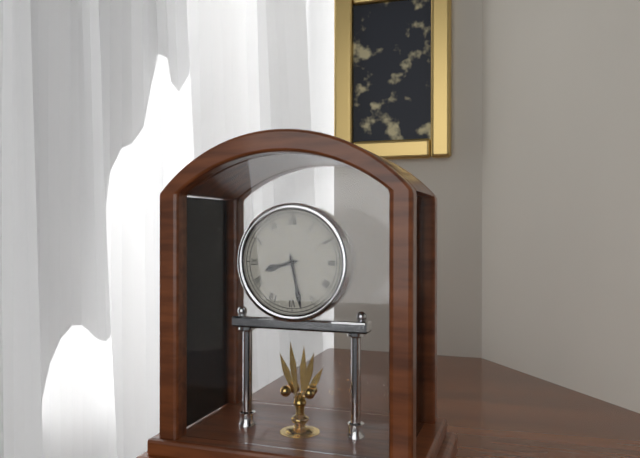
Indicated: **8:28**
